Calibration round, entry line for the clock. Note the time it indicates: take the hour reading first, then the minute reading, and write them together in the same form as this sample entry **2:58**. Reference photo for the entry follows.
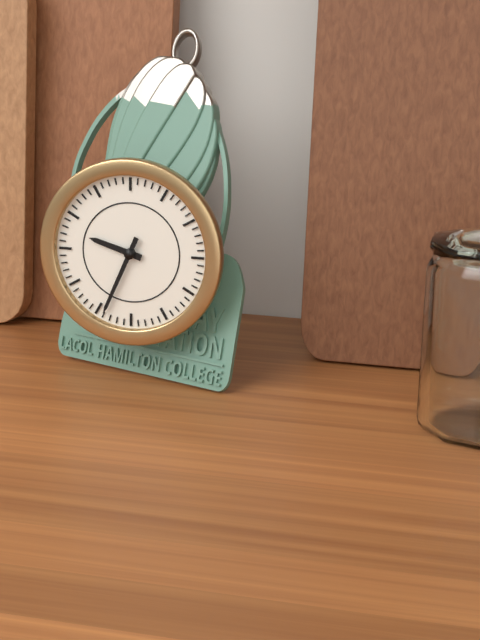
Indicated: **9:34**
